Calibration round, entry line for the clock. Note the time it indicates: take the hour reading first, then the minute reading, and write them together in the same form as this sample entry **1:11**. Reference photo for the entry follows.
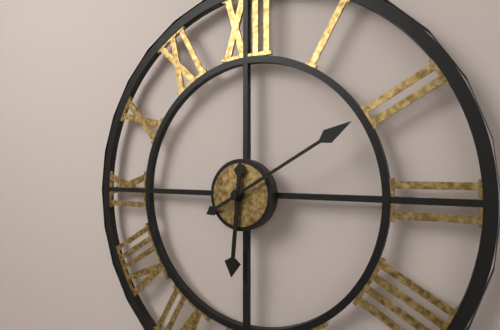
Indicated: **6:10**
